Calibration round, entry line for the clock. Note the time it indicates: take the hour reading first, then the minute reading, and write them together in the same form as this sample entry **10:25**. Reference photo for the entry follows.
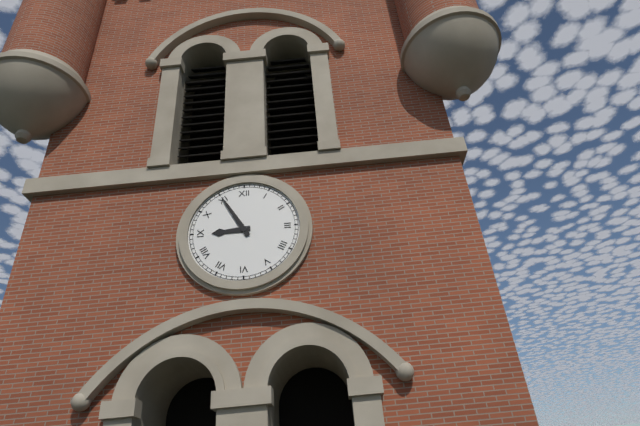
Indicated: **8:55**
